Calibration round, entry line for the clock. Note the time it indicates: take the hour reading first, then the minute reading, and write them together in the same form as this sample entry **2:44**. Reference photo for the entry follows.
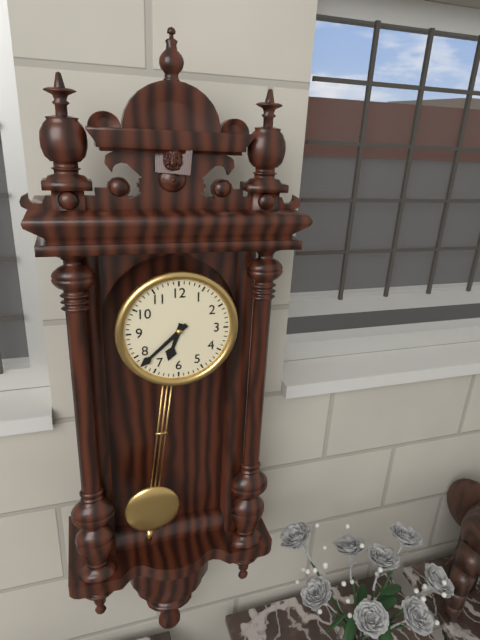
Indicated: **6:38**
